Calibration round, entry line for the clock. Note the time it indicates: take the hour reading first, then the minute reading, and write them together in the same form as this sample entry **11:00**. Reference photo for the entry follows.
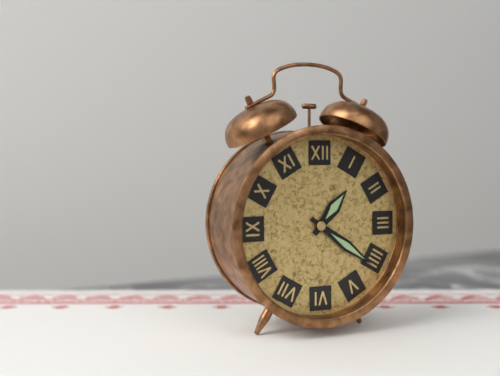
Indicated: **1:21**
